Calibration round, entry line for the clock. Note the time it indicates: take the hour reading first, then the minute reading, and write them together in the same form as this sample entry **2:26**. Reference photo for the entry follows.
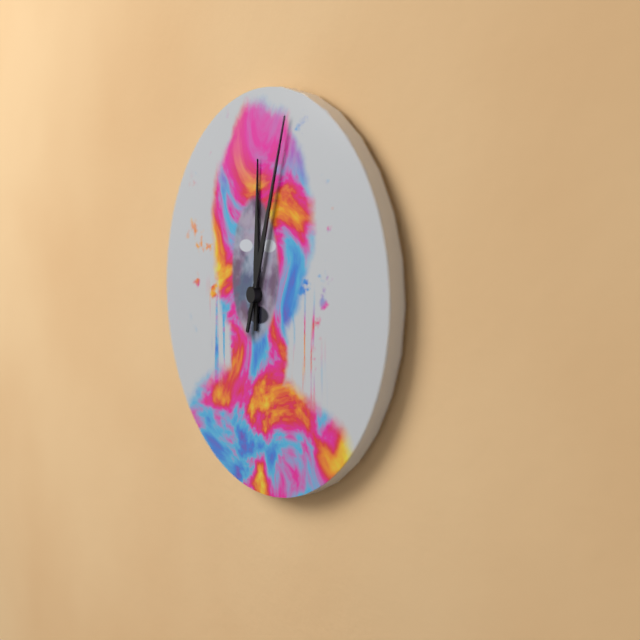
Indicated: **12:03**
